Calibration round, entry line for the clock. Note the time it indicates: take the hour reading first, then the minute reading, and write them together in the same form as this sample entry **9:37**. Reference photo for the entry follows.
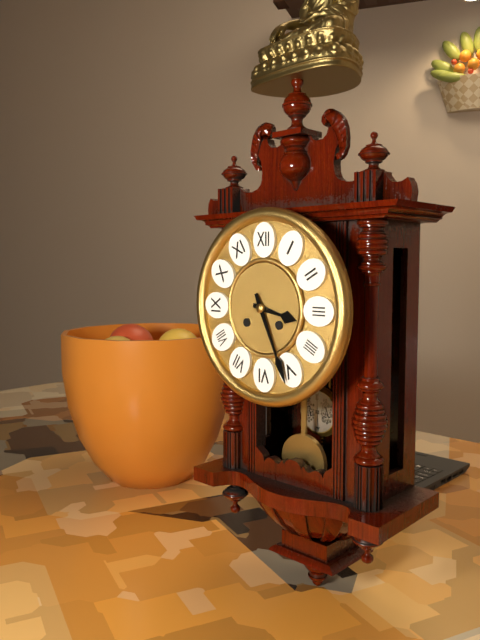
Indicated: **3:26**
